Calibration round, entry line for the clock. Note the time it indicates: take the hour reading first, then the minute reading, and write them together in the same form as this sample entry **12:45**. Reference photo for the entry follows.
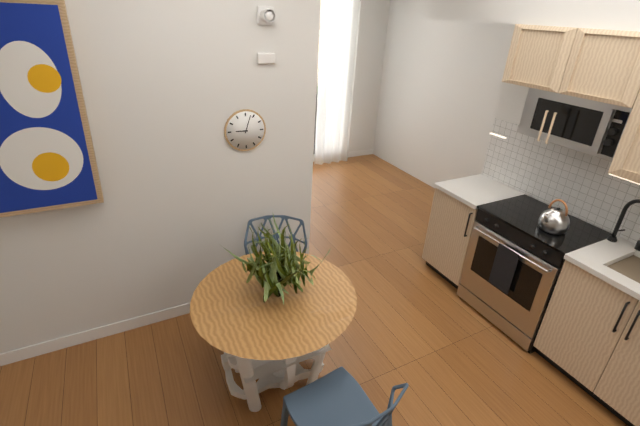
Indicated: **9:03**
